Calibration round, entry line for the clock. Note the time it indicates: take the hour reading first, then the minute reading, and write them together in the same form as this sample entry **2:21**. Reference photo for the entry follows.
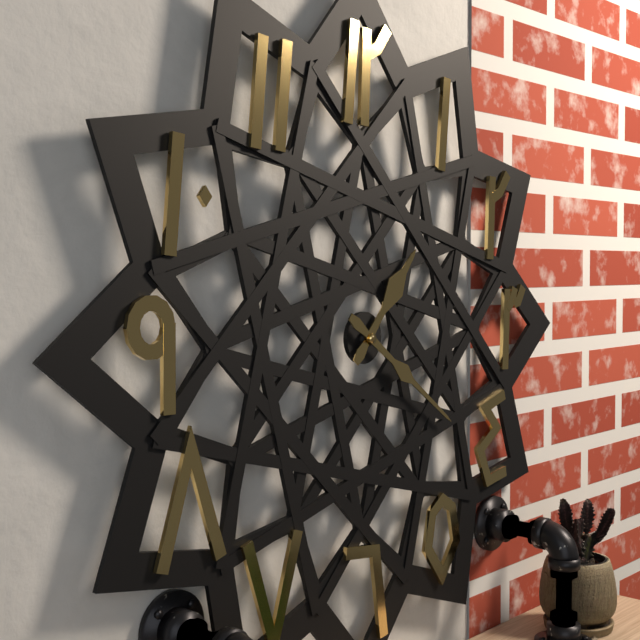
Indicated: **1:21**
